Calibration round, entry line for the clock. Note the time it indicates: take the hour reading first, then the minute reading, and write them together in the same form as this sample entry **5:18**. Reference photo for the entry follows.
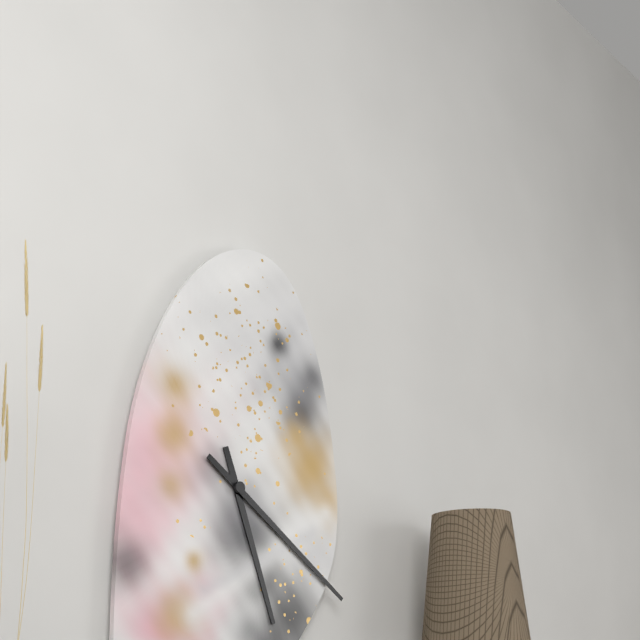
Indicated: **5:21**
